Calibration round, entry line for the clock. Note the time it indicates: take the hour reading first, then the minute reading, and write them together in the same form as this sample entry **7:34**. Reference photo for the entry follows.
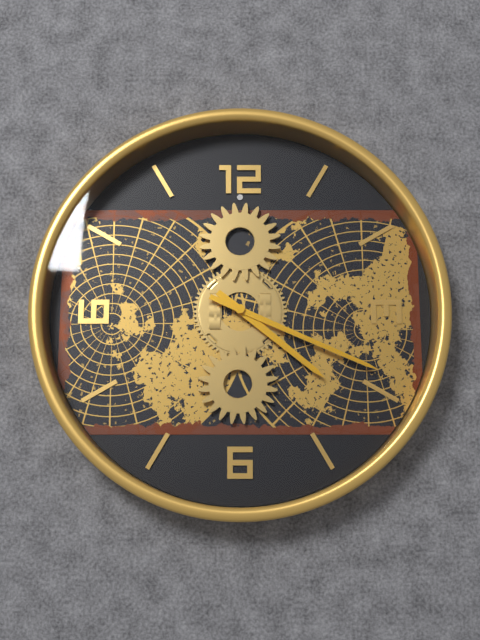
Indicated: **4:19**
